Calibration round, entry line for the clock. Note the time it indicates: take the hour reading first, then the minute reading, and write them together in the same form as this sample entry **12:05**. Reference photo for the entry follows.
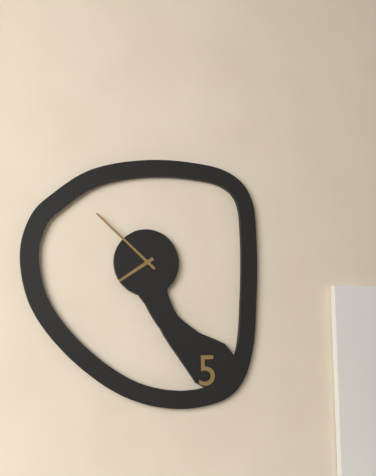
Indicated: **7:52**
